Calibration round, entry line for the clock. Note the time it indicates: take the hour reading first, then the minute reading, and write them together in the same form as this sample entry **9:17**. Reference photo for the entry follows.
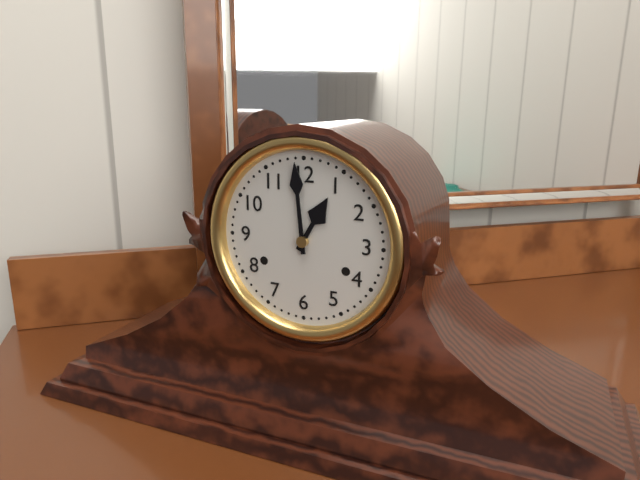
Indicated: **12:59**
